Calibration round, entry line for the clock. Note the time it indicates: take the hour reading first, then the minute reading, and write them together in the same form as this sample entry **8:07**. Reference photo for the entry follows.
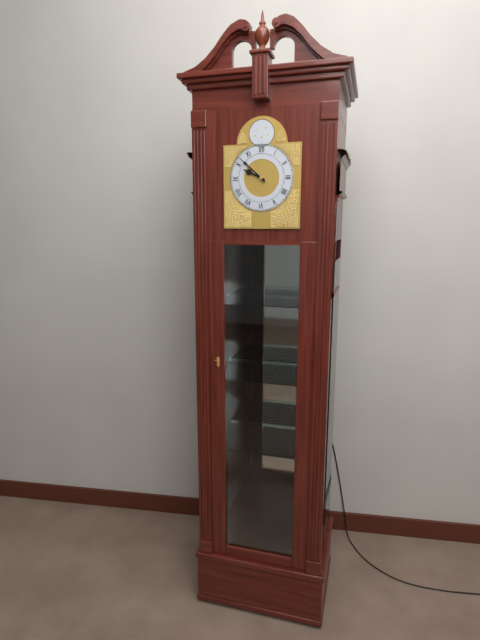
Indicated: **9:52**
